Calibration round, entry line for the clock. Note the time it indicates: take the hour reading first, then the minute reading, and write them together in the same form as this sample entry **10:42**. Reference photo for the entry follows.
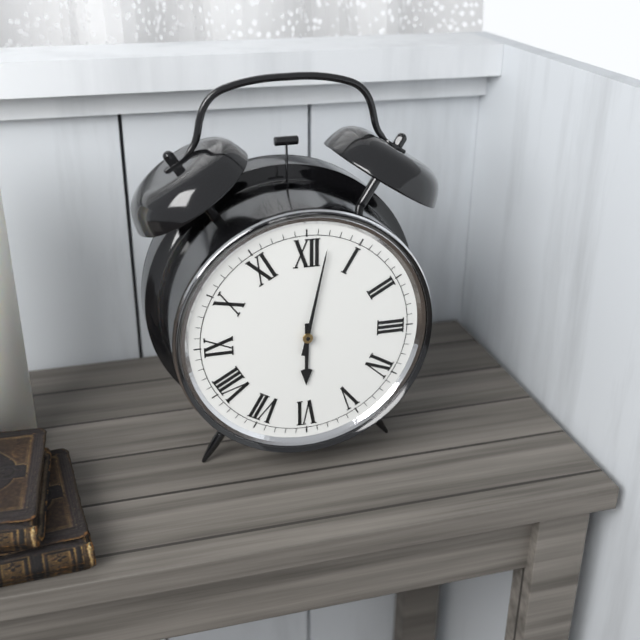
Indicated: **6:02**
